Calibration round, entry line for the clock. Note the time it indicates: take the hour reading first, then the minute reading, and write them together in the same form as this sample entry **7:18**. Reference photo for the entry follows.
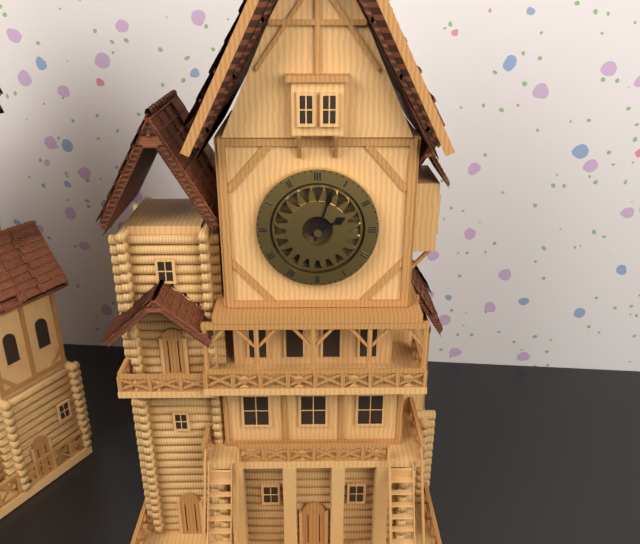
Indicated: **2:03**
